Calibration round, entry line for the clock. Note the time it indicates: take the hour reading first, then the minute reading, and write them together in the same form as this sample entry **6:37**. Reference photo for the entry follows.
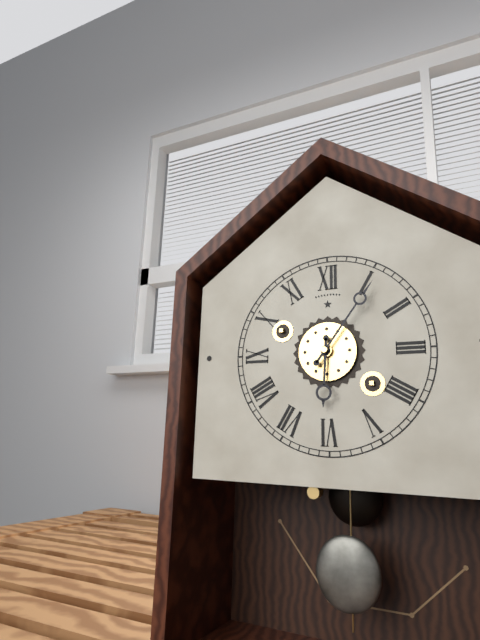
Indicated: **6:06**
